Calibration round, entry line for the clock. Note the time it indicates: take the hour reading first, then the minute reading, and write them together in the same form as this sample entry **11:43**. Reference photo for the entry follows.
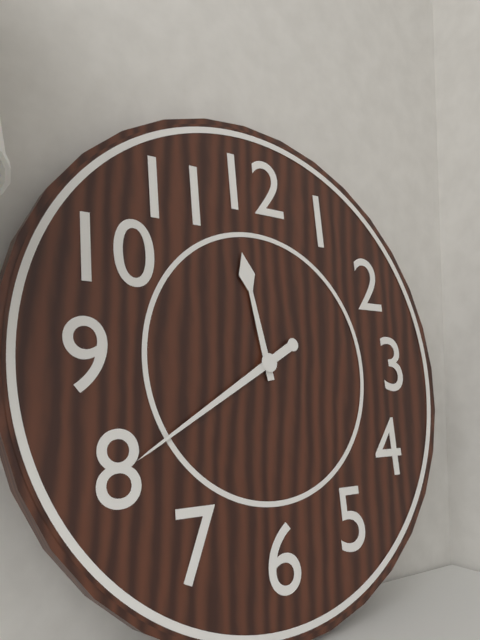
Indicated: **11:40**
